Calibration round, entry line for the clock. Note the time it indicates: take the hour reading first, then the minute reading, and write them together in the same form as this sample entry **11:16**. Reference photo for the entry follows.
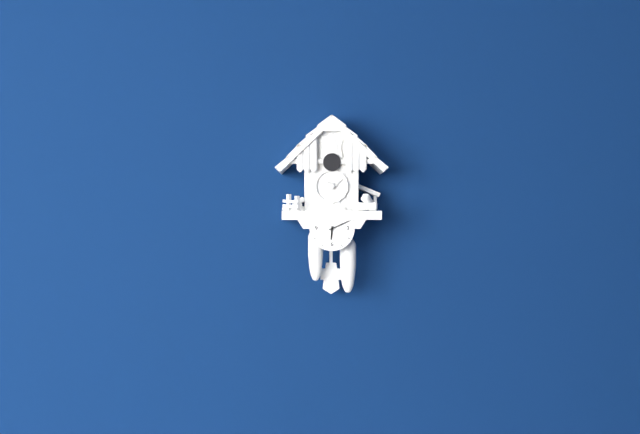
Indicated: **6:11**
